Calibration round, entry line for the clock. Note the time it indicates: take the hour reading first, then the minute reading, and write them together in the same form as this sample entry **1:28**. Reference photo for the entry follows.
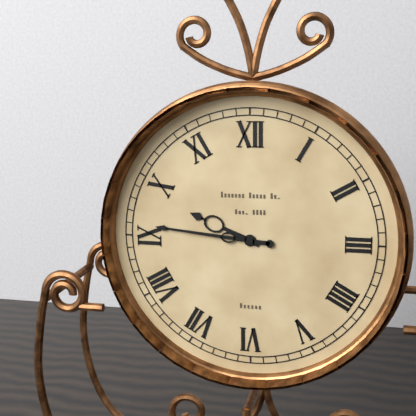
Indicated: **9:46**
